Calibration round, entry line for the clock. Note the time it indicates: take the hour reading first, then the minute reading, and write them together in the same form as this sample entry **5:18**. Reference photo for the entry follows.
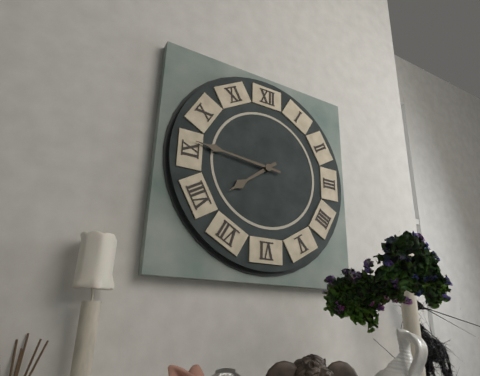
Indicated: **7:46**
